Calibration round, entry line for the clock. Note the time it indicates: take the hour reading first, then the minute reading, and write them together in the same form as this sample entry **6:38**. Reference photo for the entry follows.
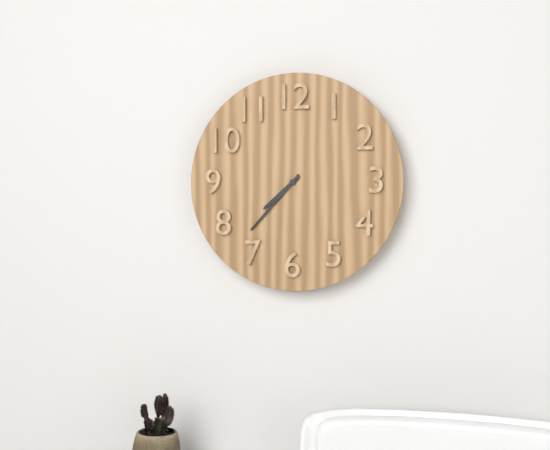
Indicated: **7:37**
